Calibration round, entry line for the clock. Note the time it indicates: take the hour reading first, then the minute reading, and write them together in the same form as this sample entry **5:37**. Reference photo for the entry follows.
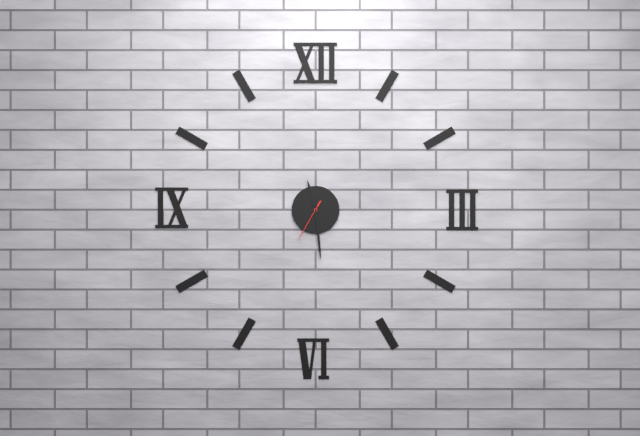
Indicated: **11:29**
